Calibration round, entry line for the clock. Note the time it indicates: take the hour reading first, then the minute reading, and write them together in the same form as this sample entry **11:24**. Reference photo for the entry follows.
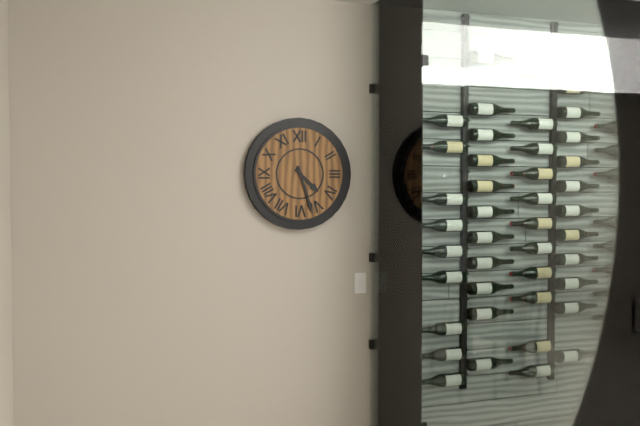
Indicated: **4:27**
